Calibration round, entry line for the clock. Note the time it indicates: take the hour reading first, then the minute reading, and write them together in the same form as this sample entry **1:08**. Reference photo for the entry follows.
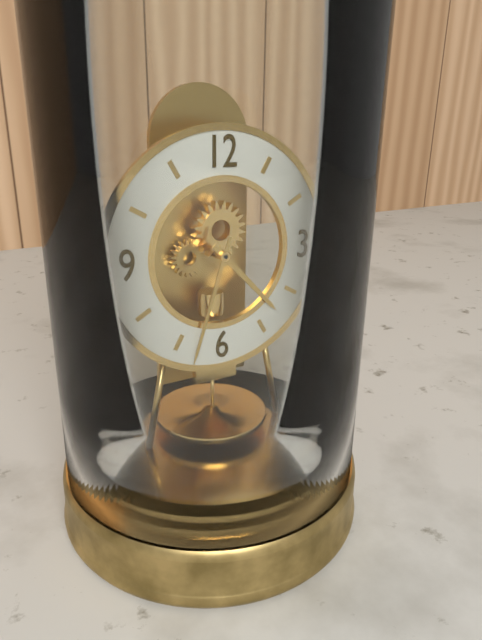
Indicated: **4:33**
